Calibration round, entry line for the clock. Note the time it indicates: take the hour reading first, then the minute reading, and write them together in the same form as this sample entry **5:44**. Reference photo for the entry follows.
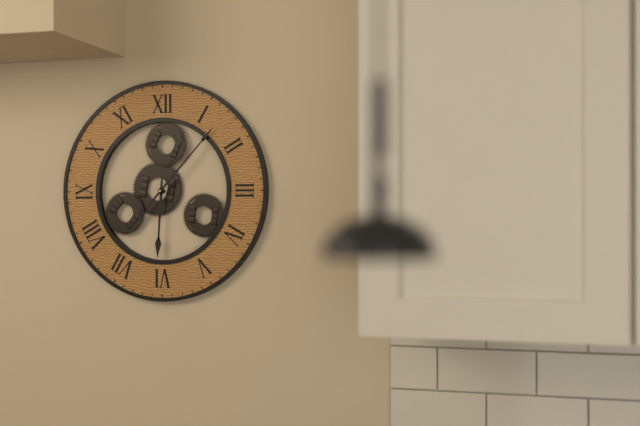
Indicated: **6:07**
